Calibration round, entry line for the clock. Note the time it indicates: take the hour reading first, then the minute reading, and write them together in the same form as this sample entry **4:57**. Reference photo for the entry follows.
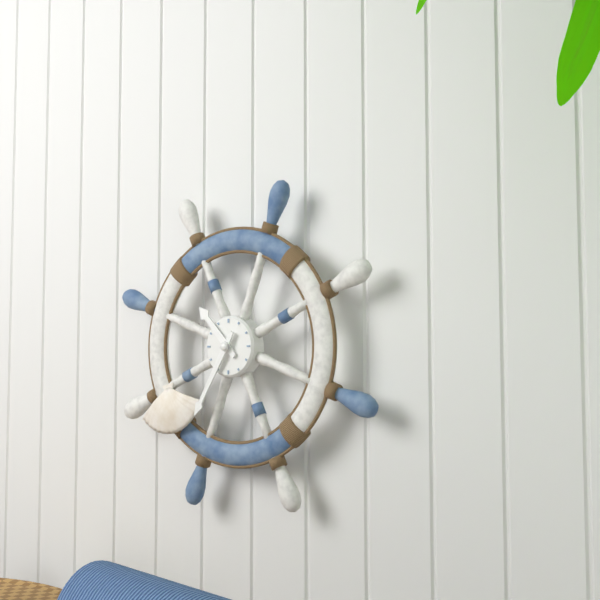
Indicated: **10:35**
